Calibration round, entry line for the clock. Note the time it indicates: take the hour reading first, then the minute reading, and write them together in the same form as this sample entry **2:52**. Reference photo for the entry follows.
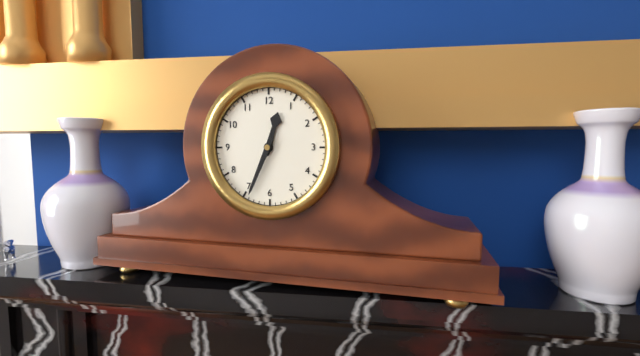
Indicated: **12:34**
